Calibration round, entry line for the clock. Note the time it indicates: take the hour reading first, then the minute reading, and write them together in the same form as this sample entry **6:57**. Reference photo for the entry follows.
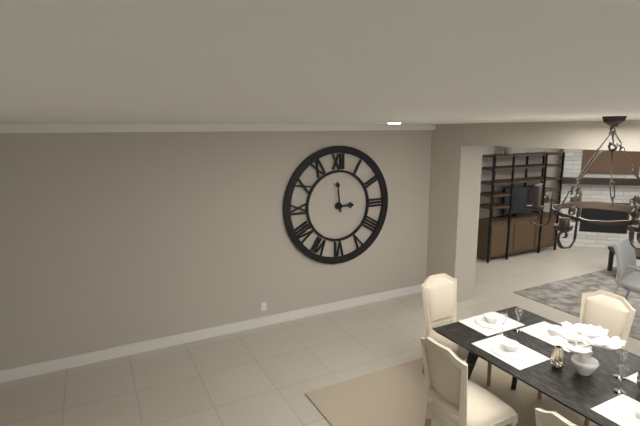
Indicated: **2:59**
